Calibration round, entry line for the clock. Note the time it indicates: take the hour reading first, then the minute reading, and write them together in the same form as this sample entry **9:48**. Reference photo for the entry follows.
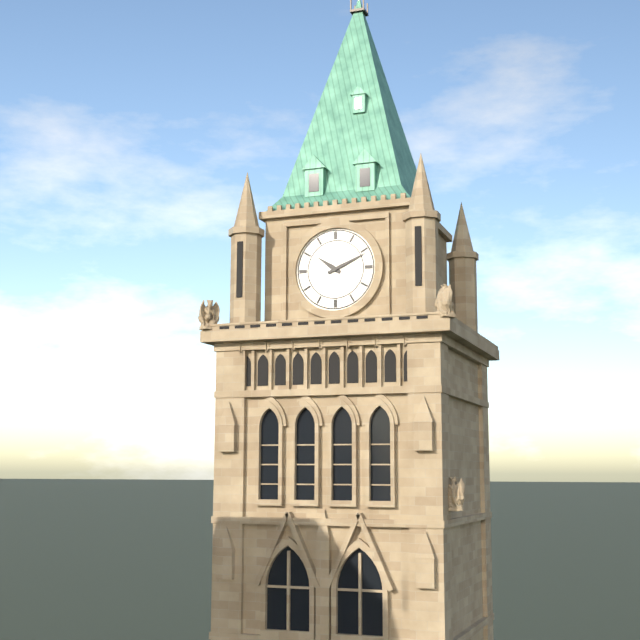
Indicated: **10:11**
